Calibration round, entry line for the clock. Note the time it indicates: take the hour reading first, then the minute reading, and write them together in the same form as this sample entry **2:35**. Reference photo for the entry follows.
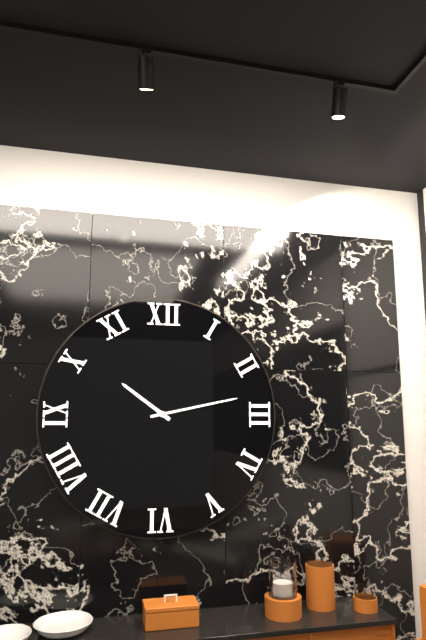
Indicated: **10:13**
